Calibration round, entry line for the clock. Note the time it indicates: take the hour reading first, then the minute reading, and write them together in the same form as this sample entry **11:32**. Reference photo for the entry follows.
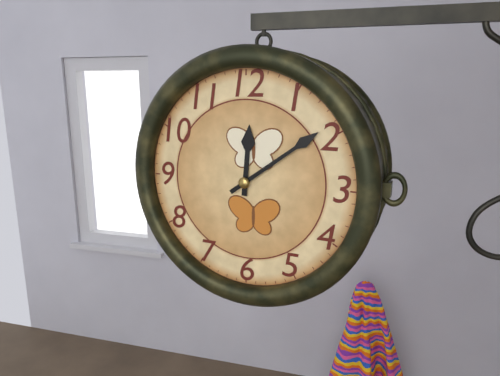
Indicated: **12:09**
